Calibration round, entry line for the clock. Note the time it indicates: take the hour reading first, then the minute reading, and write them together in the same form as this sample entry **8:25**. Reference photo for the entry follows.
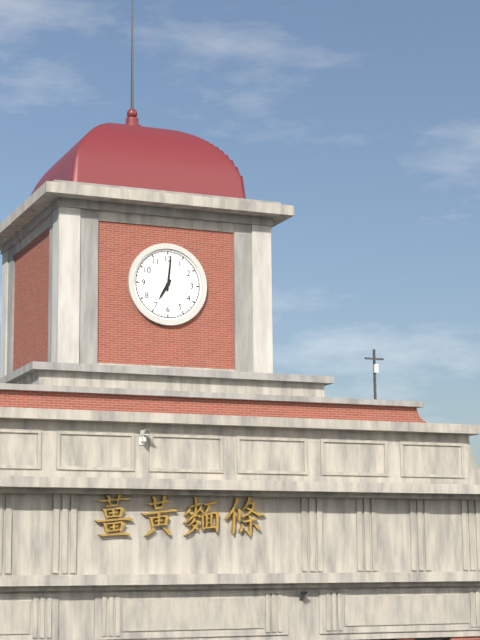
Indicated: **7:01**
